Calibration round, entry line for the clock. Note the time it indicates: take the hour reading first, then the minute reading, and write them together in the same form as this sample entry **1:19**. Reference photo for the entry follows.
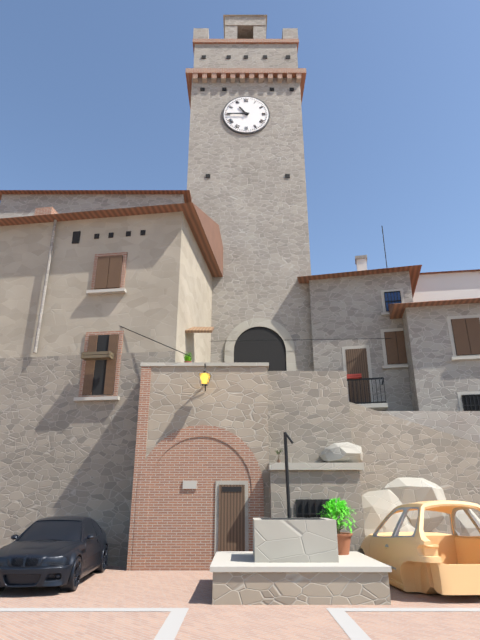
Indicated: **10:45**
